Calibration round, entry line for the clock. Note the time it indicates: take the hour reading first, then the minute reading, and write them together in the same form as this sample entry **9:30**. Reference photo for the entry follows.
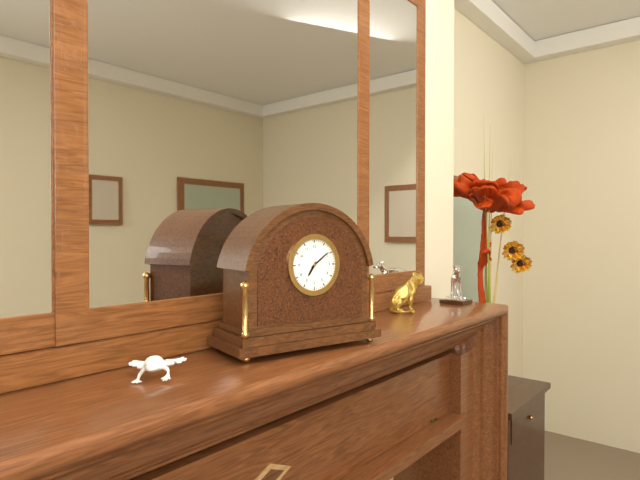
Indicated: **7:09**
